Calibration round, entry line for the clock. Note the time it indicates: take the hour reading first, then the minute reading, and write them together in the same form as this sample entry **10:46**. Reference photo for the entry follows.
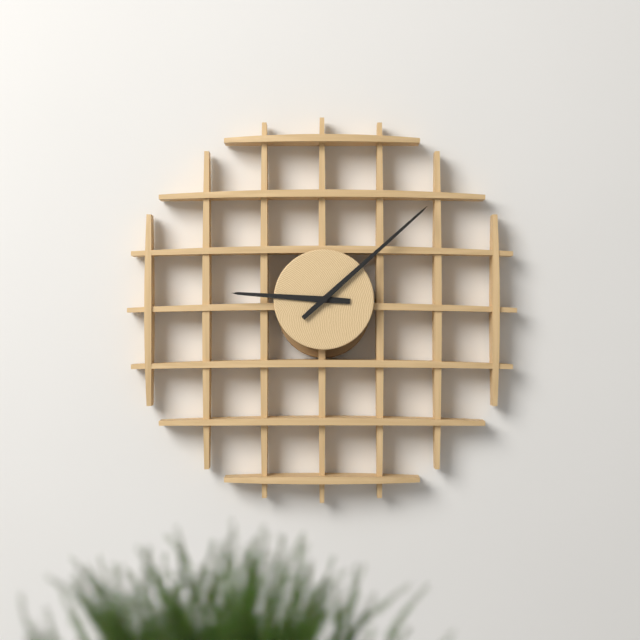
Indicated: **9:08**
